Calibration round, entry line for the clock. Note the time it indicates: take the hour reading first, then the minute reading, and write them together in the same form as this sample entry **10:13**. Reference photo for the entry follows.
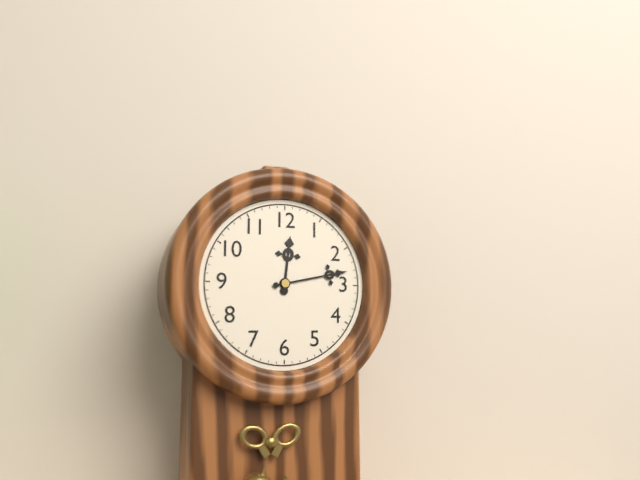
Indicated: **12:13**
